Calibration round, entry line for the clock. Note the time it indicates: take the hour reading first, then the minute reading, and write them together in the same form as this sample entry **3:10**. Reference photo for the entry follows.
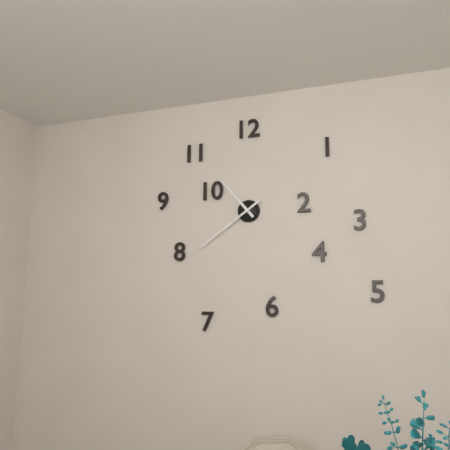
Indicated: **10:39**
